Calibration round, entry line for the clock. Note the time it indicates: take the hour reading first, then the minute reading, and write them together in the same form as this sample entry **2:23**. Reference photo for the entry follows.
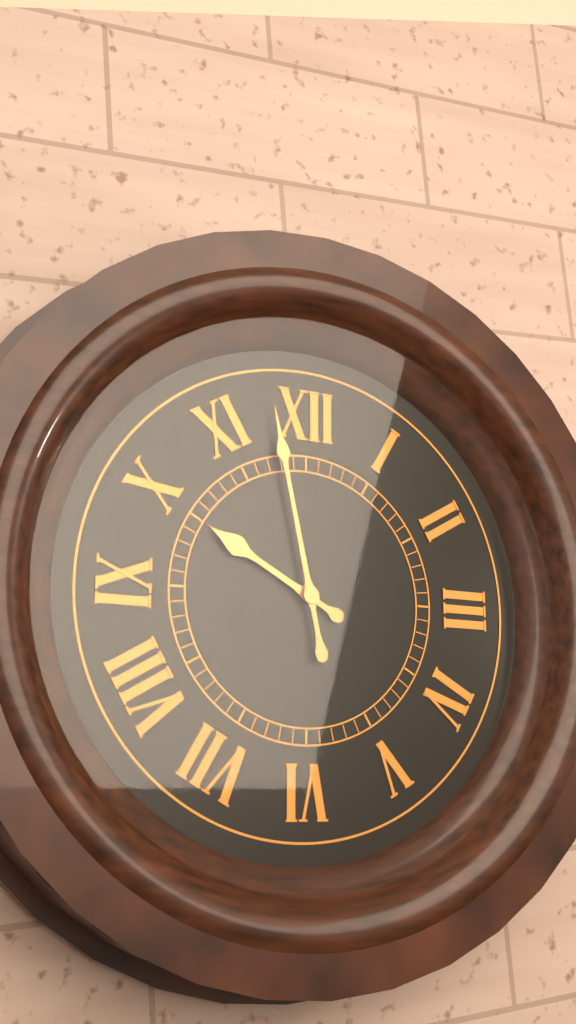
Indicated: **9:58**
